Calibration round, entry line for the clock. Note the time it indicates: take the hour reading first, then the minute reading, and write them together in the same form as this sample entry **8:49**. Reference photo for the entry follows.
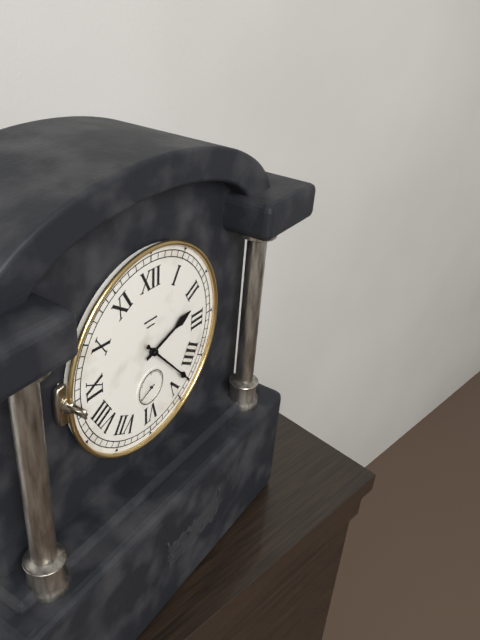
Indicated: **2:23**
